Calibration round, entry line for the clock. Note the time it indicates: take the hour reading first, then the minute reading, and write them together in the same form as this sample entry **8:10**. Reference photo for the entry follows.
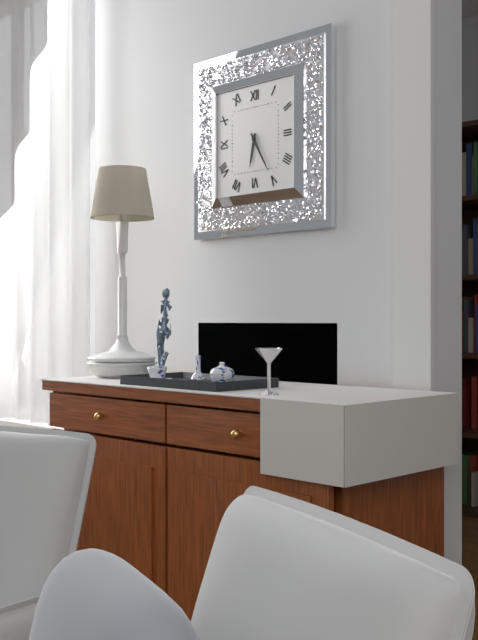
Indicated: **6:25**
